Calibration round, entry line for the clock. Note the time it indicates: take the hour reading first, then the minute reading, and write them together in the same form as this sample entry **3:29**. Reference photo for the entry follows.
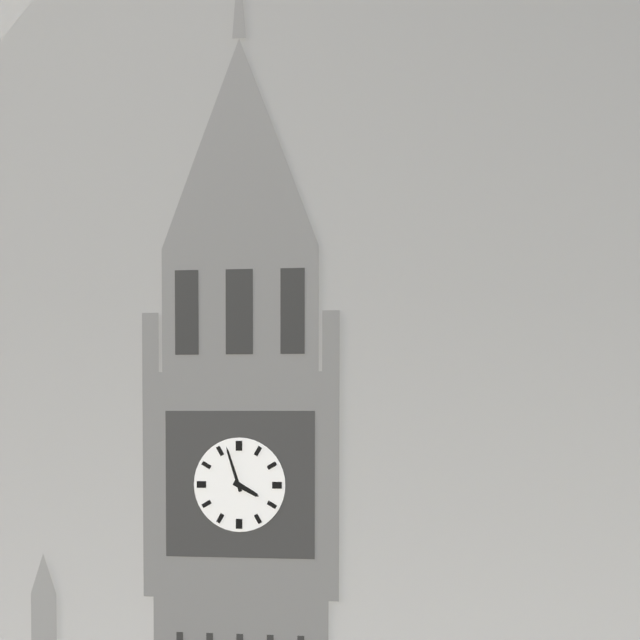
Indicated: **3:57**
